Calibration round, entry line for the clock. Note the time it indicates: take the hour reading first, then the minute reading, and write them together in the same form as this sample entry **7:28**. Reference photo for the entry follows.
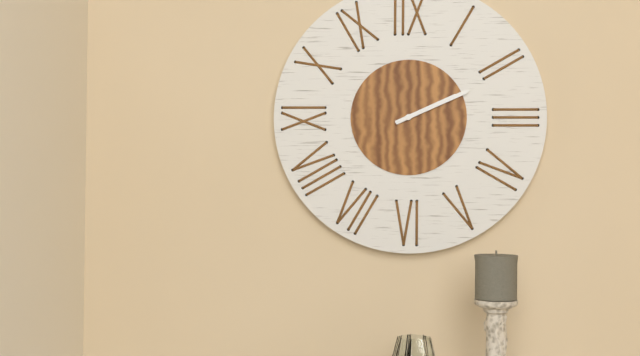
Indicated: **2:11**
